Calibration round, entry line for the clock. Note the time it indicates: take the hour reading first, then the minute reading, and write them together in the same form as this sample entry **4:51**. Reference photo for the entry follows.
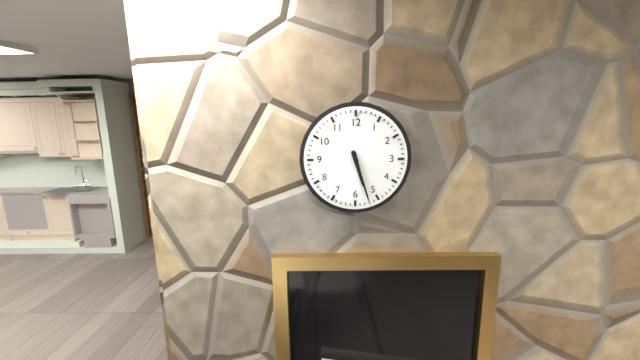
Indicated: **5:27**
